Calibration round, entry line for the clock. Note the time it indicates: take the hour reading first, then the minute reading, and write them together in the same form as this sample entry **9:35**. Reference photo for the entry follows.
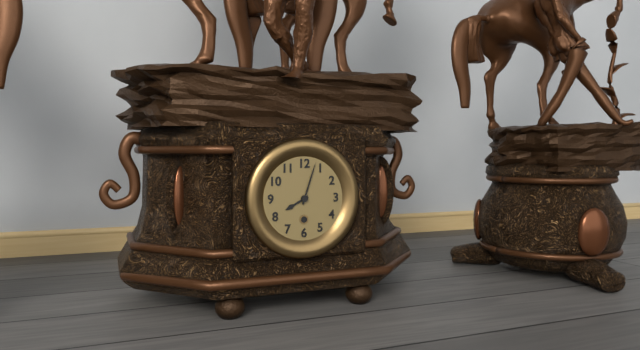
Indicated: **8:03**
